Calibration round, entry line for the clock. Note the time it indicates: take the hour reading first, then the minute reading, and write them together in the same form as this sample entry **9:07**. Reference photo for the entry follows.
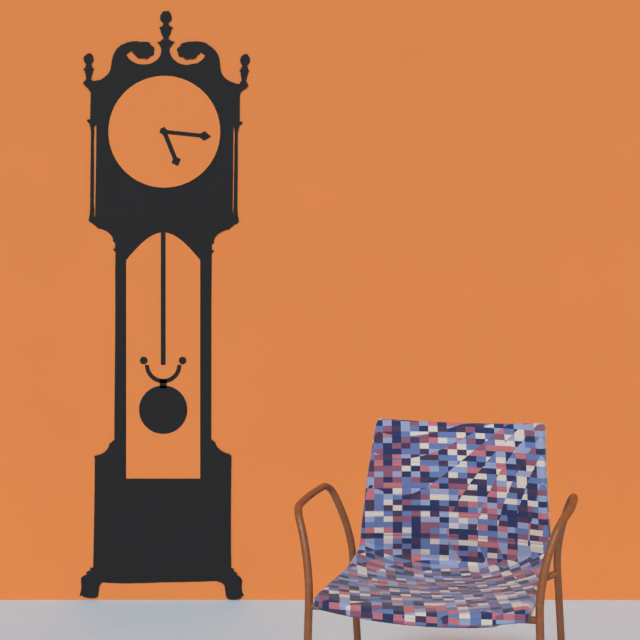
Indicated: **5:16**
